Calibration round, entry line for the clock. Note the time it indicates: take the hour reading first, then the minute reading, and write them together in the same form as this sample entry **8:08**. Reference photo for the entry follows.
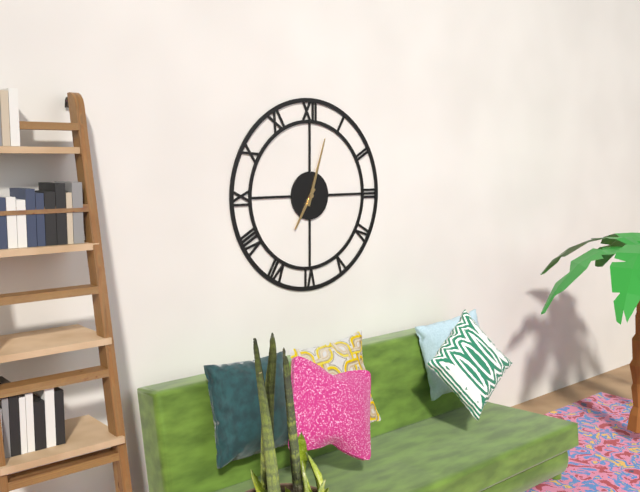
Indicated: **7:03**
